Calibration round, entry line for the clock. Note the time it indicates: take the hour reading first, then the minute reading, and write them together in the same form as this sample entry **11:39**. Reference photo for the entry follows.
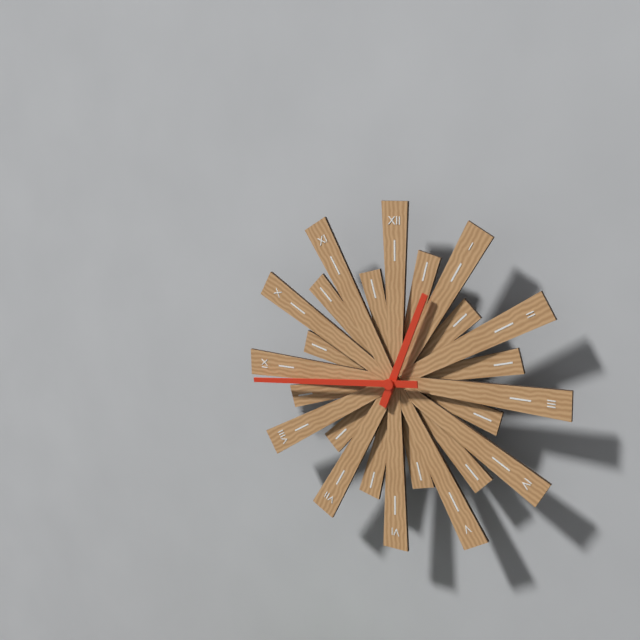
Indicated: **12:44**
